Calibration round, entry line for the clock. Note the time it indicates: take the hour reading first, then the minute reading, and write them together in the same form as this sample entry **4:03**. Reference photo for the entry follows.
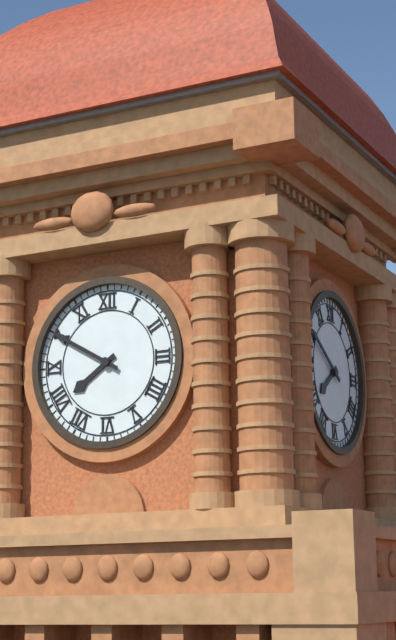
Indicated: **7:50**
